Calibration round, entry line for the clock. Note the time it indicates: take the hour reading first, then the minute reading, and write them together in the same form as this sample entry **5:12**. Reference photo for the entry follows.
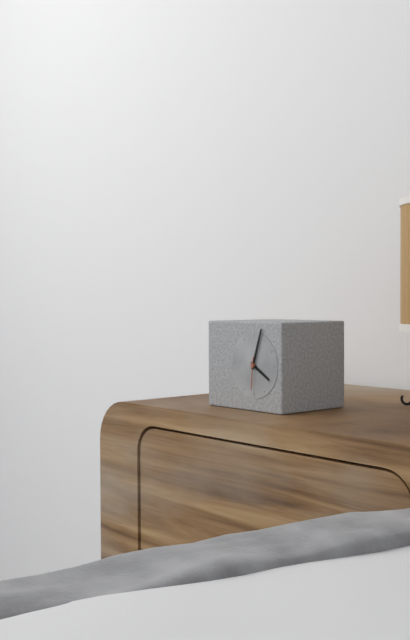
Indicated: **4:03**
